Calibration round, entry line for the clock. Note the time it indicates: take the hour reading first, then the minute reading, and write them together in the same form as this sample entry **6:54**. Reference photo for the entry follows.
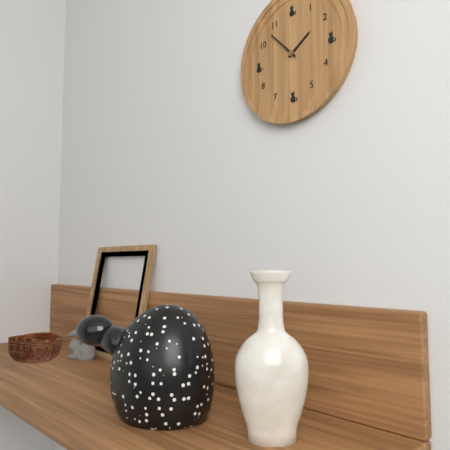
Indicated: **1:53**
